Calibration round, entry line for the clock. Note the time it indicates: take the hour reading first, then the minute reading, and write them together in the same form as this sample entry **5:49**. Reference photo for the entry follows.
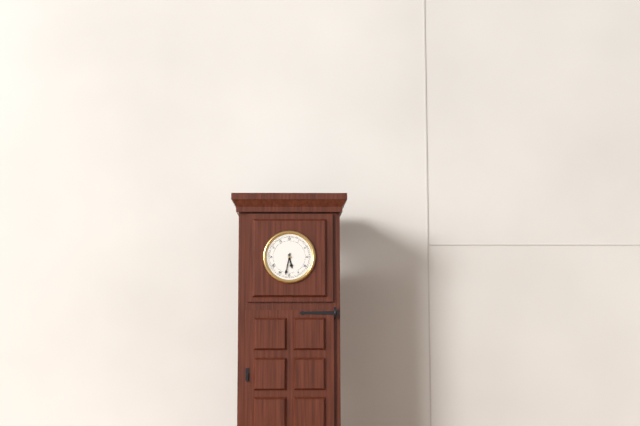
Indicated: **5:32**
